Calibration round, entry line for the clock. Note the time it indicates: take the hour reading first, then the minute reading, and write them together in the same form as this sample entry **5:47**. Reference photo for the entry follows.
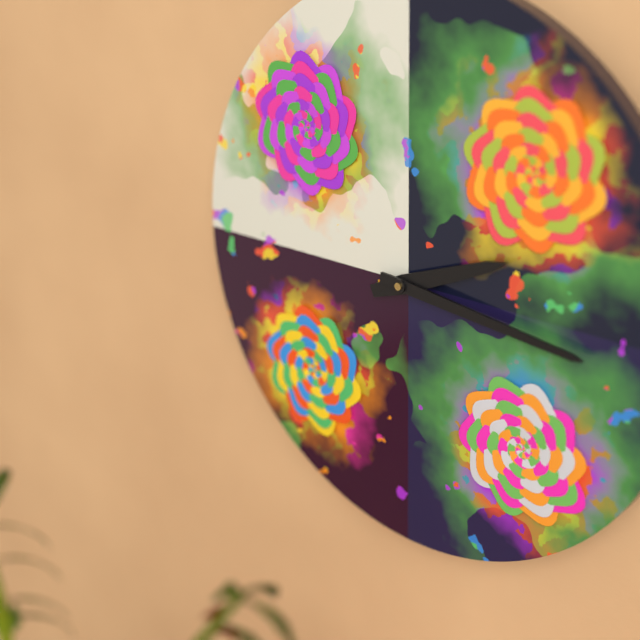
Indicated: **2:16**
